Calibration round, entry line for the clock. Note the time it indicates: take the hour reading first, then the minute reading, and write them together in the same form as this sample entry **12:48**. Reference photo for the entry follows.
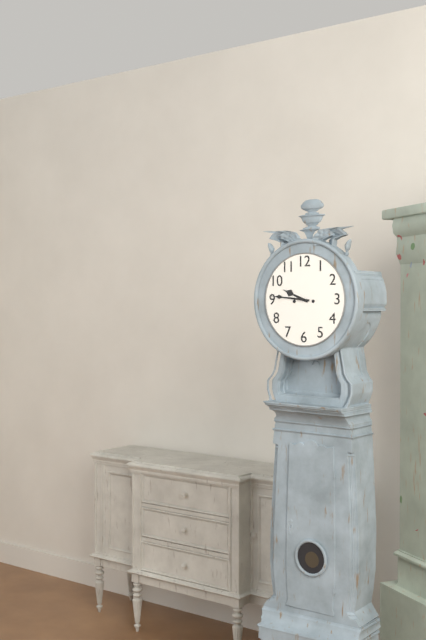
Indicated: **9:46**
